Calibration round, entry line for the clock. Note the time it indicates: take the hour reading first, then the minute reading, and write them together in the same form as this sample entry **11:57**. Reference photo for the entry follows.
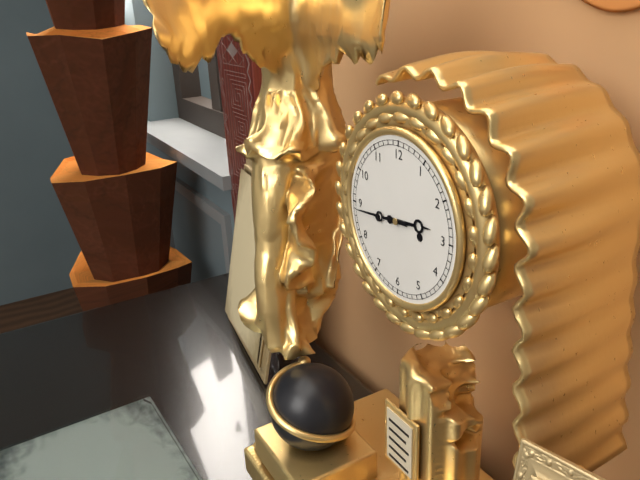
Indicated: **2:44**
